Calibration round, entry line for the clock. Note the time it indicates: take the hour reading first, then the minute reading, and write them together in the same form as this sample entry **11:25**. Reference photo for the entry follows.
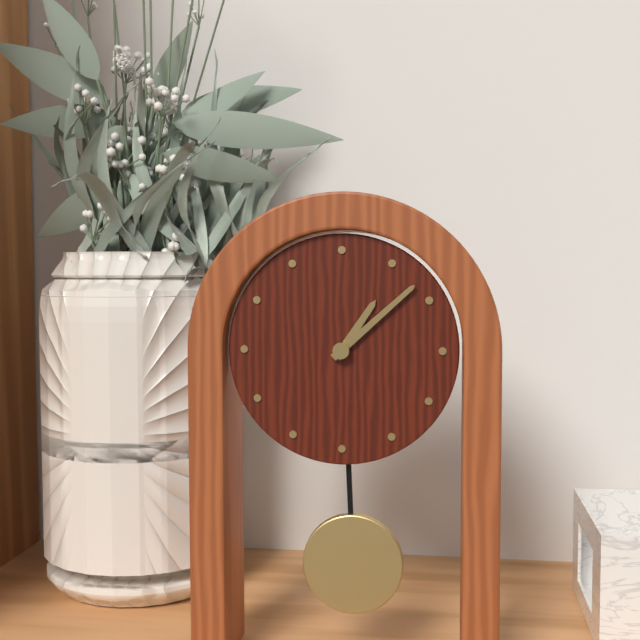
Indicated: **1:08**
